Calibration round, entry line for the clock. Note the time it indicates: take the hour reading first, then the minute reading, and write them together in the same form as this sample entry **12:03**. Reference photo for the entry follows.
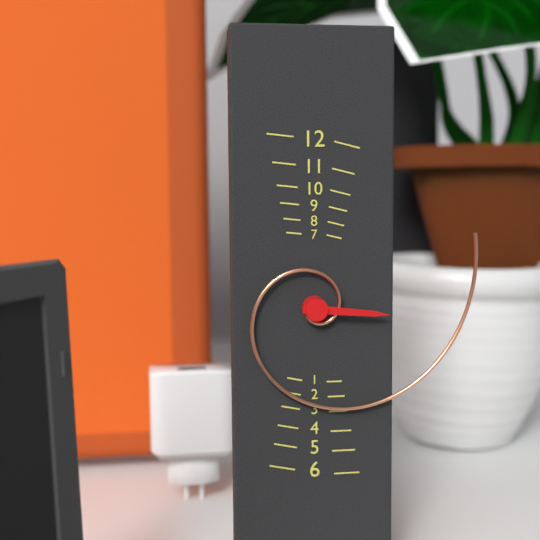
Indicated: **3:11**
